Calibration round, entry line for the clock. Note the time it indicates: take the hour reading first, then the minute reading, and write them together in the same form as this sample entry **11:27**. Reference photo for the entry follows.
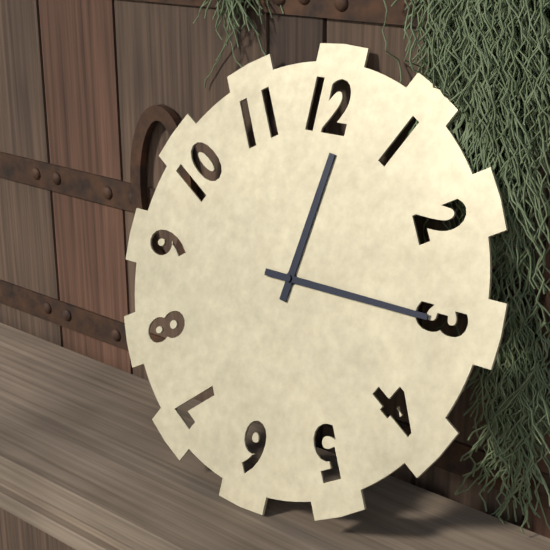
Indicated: **12:15**
